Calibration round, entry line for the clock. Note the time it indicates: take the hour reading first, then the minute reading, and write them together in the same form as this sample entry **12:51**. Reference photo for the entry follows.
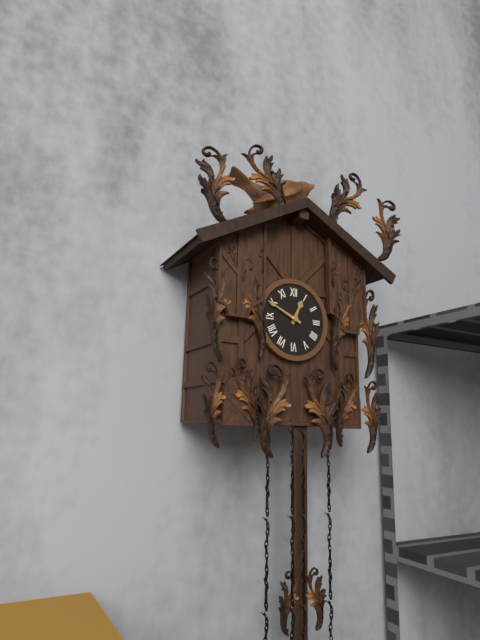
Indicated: **12:49**
